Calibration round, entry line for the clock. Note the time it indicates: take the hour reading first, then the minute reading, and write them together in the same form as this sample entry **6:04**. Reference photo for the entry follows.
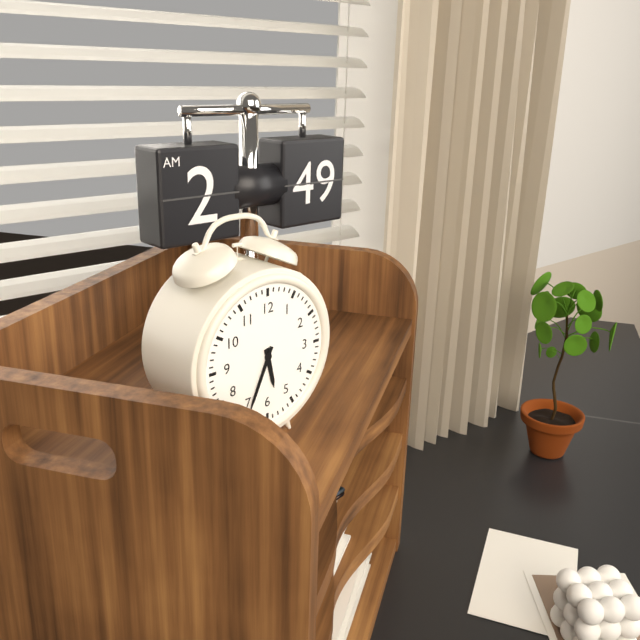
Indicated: **5:34**
